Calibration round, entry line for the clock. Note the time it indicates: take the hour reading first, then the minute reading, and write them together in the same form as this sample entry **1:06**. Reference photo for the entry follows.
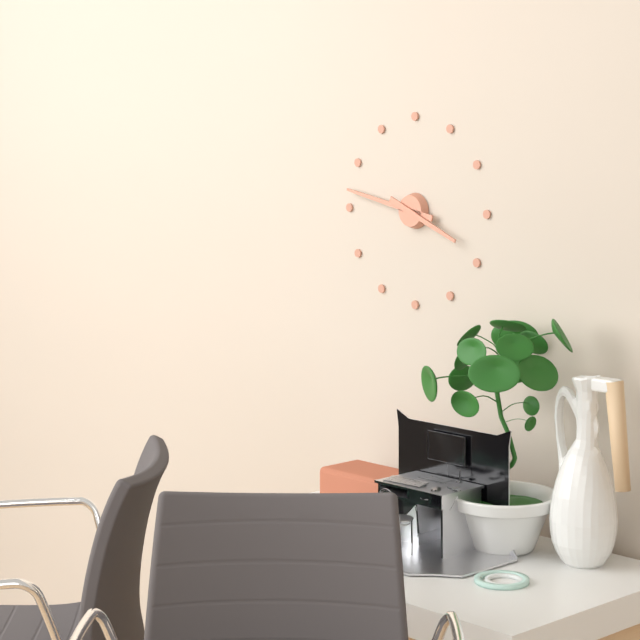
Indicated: **3:47**
